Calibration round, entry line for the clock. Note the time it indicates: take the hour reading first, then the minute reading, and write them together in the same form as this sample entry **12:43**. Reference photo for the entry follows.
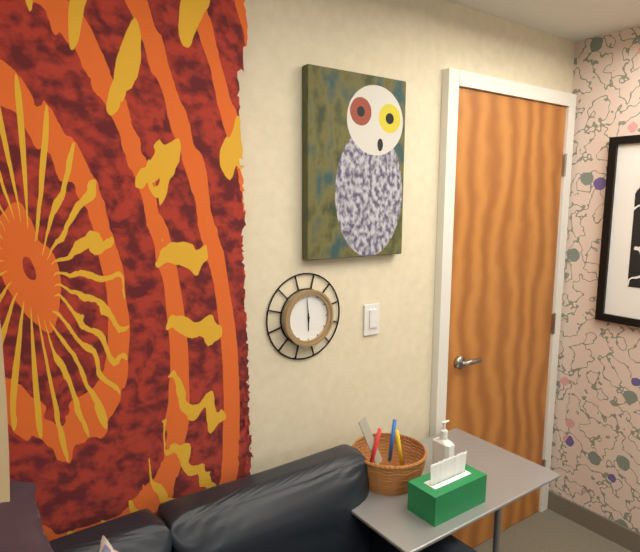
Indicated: **5:59**
